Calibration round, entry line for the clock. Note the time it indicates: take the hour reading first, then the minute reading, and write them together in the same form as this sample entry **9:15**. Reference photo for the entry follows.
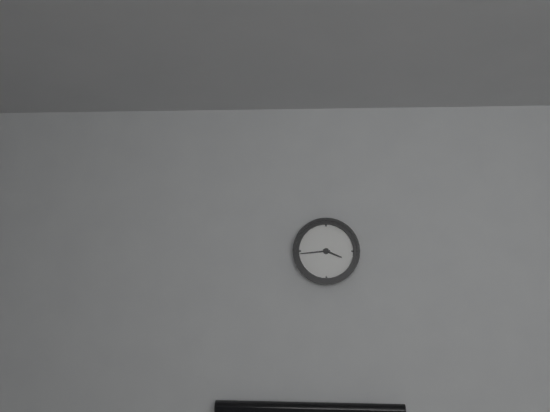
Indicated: **3:44**
